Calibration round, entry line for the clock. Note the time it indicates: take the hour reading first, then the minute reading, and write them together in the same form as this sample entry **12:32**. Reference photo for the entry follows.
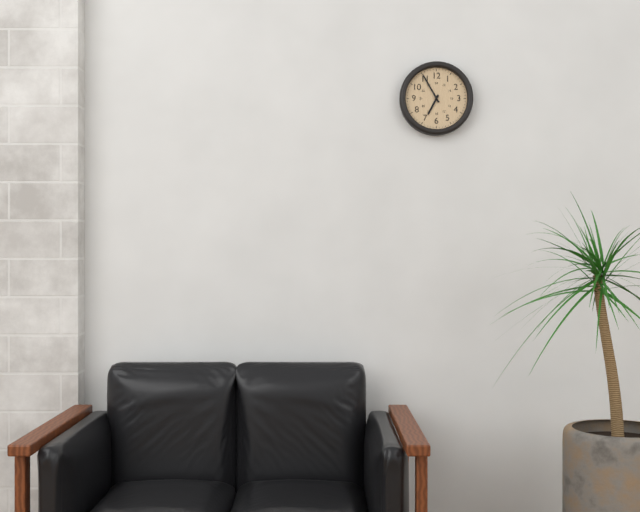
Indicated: **6:55**
